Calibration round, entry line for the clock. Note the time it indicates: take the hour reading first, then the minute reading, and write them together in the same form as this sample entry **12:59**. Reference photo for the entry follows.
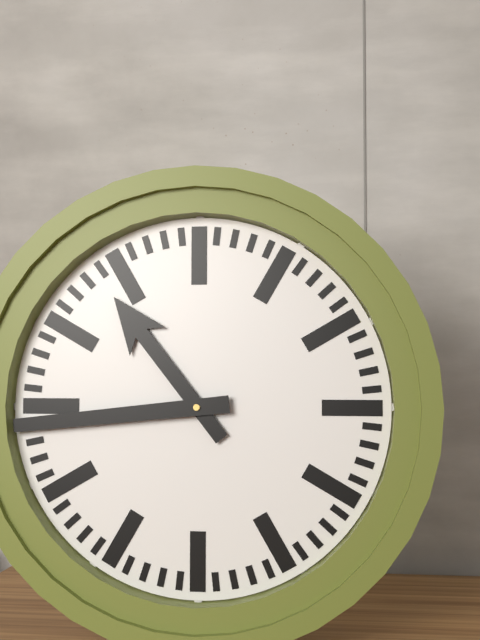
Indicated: **10:44**
